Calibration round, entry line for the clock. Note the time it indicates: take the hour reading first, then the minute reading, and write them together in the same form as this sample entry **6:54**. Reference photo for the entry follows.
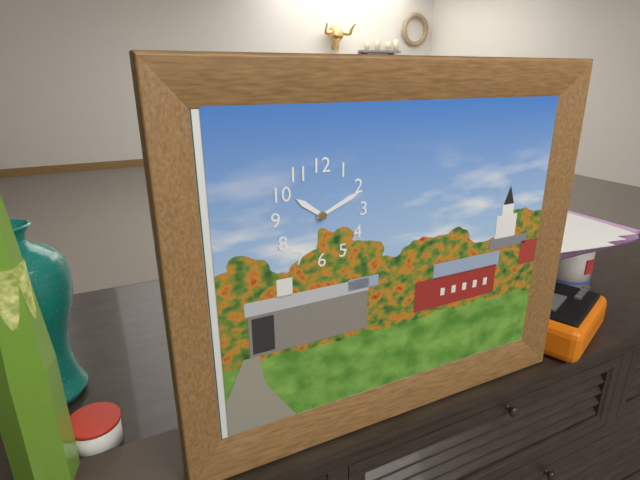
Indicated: **10:11**
